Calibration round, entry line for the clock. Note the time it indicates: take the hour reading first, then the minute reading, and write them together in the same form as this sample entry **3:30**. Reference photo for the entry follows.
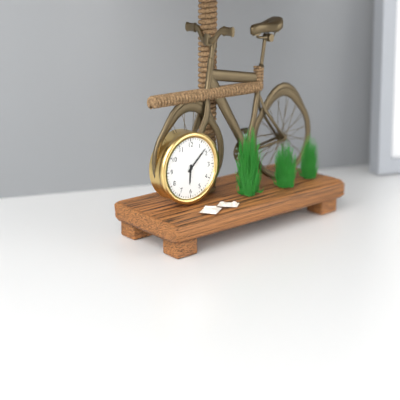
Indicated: **6:08**
